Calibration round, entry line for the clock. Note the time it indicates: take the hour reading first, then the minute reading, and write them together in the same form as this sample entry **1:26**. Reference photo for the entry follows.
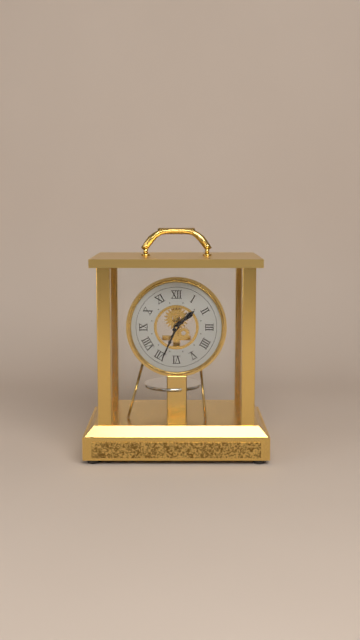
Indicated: **1:34**
